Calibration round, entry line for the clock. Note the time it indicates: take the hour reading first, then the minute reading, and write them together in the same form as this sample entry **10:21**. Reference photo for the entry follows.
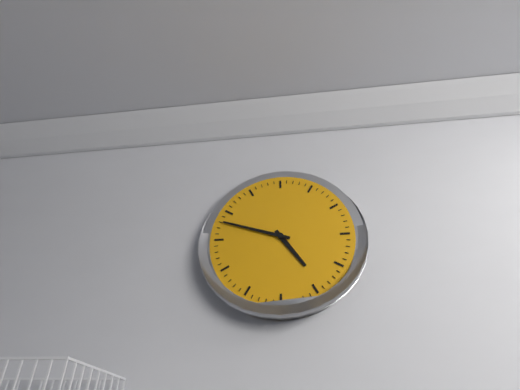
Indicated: **4:48**
